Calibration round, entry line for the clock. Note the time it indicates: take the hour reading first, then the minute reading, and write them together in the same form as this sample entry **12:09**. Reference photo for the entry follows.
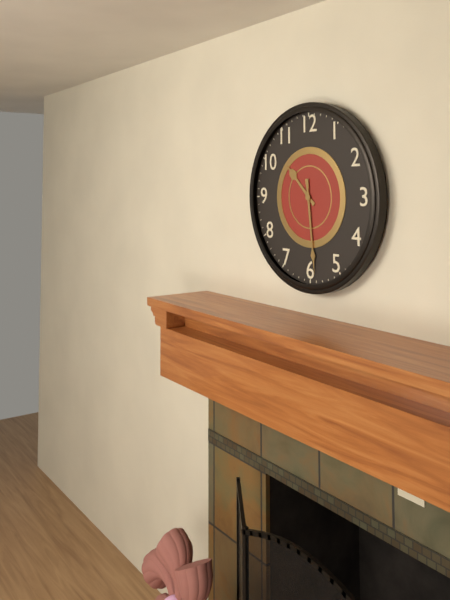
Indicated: **10:29**
